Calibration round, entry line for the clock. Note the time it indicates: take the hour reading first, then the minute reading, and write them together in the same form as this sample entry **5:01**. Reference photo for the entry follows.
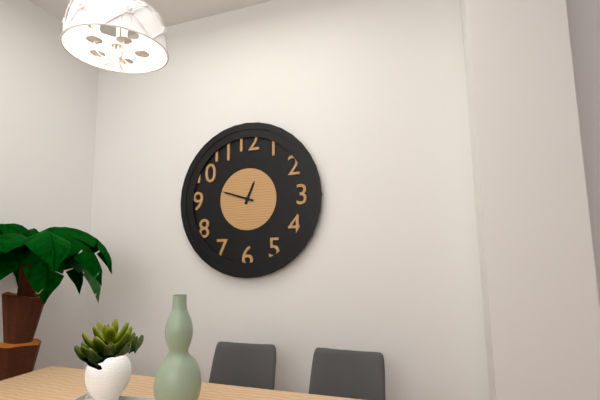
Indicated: **12:48**
